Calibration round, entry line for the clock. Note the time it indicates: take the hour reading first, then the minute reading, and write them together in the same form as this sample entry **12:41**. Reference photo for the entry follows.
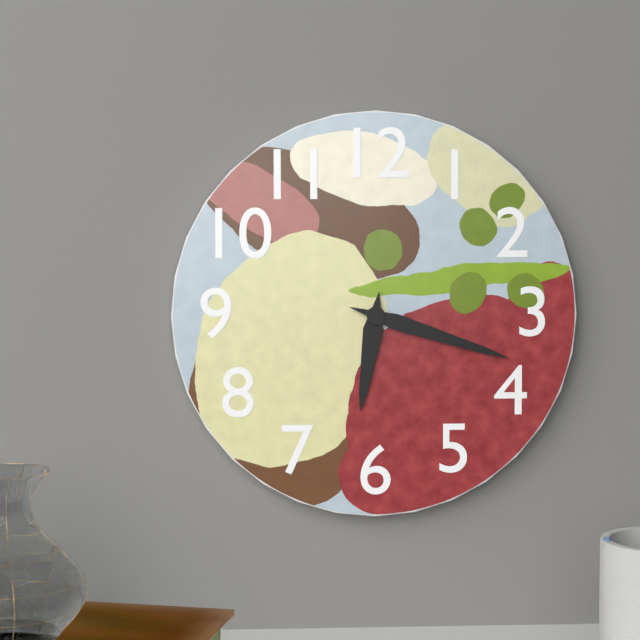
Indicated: **6:18**
